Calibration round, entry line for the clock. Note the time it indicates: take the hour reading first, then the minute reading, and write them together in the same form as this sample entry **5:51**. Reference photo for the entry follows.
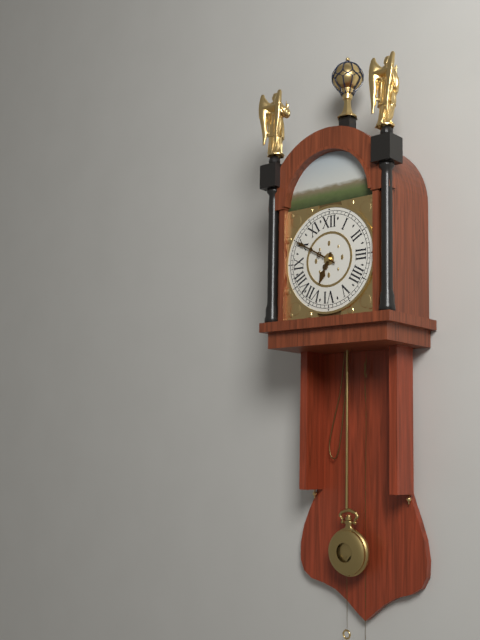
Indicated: **6:50**
